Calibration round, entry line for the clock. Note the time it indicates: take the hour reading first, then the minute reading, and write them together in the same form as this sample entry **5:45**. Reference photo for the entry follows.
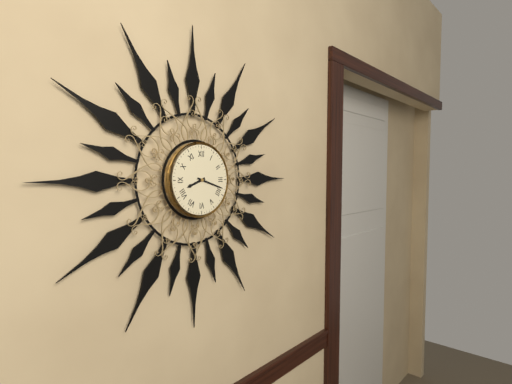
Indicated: **8:18**
